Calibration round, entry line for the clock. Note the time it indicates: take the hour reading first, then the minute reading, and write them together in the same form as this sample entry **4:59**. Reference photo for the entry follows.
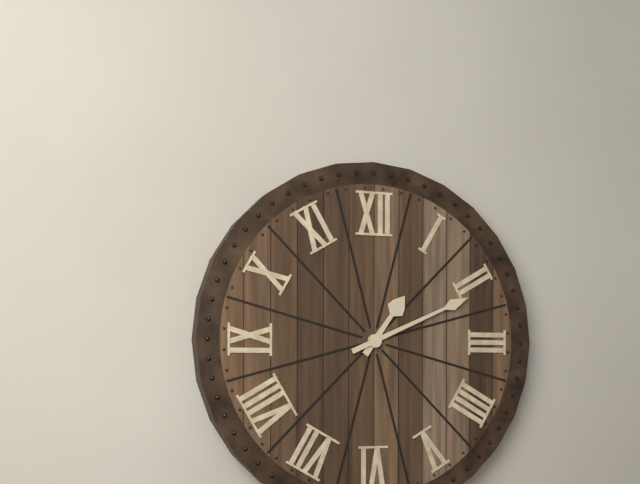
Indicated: **1:11**
